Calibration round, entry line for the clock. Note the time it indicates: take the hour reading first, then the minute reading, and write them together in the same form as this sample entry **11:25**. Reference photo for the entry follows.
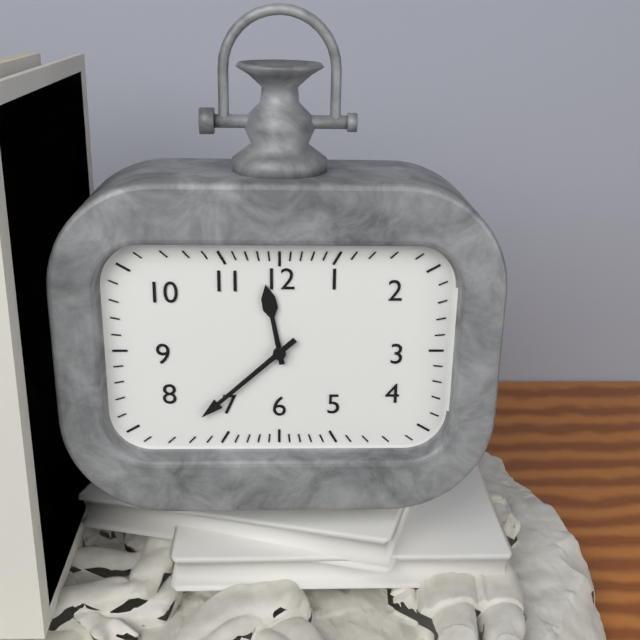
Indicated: **11:38**
